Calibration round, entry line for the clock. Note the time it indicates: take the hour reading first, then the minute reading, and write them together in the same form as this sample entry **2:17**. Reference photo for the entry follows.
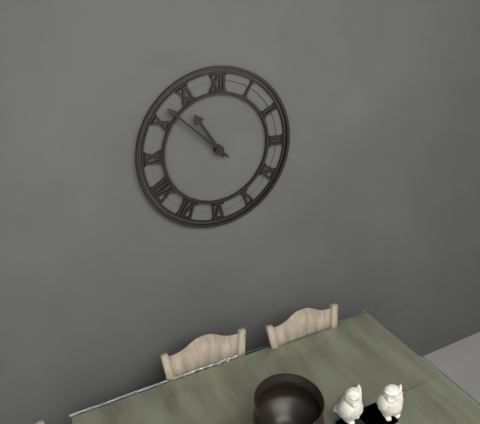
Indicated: **10:52**
